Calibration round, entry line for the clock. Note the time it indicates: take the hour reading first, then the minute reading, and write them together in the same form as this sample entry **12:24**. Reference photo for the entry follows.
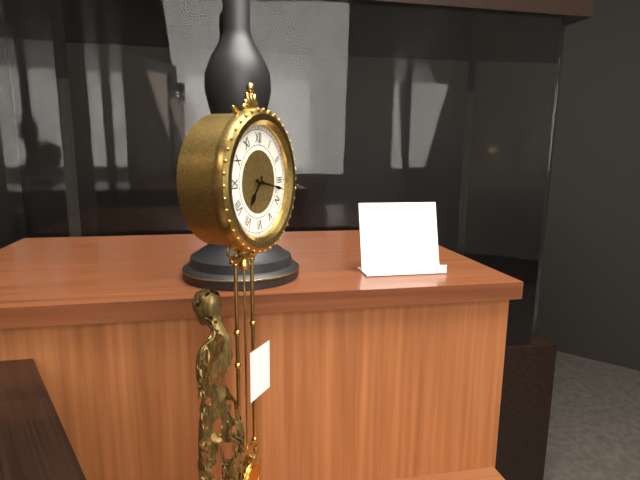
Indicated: **7:17**
